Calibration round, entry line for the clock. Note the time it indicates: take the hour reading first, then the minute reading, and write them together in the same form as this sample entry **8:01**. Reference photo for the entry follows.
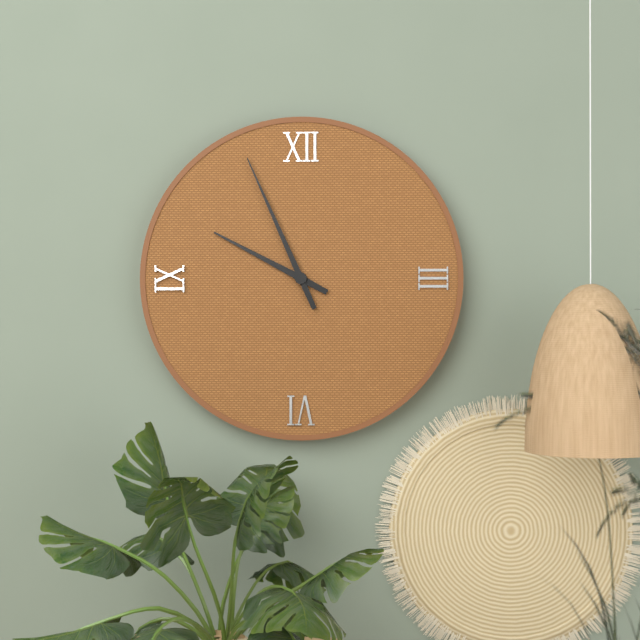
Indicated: **9:56**
